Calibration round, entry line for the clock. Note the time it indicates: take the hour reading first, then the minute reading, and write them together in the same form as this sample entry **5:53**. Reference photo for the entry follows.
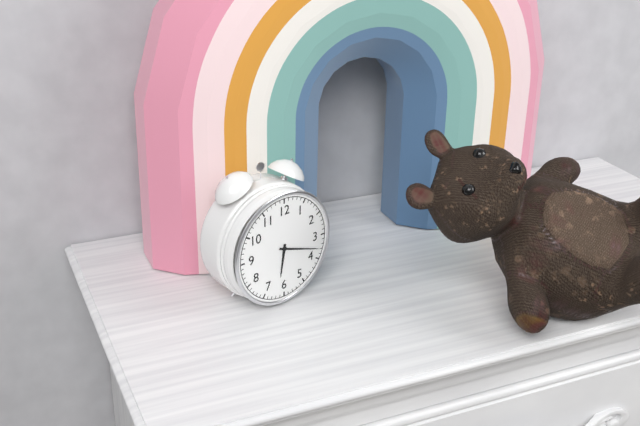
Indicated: **6:18**
